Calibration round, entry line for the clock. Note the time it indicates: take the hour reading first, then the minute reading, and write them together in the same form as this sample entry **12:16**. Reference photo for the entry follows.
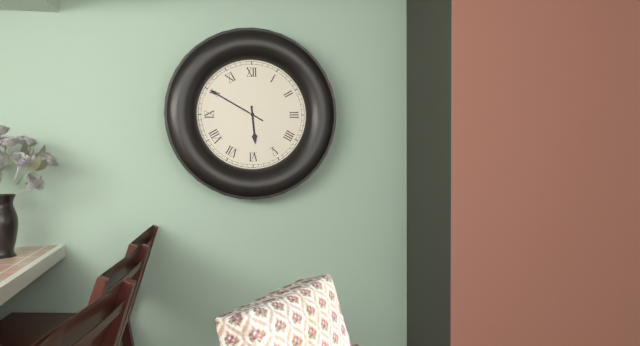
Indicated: **5:50**
